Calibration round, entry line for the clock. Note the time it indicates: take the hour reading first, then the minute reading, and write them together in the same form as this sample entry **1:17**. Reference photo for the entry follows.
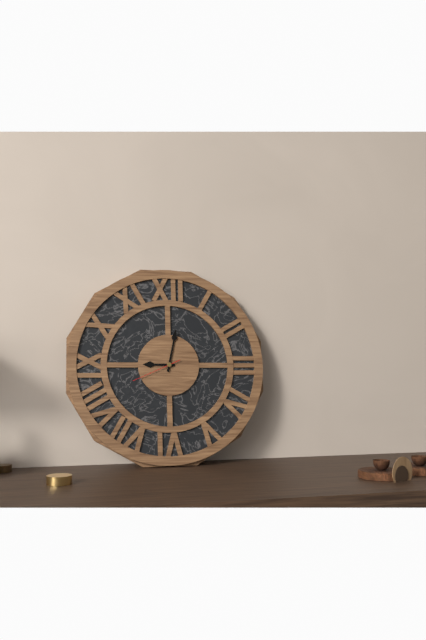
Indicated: **9:02**
